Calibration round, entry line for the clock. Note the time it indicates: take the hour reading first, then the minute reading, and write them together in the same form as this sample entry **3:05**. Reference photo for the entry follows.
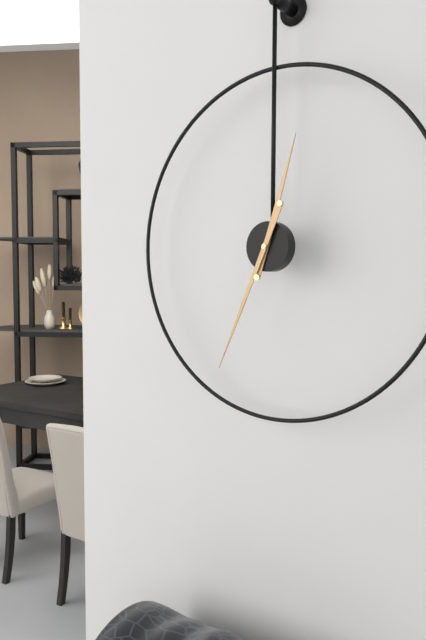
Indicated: **12:34**
